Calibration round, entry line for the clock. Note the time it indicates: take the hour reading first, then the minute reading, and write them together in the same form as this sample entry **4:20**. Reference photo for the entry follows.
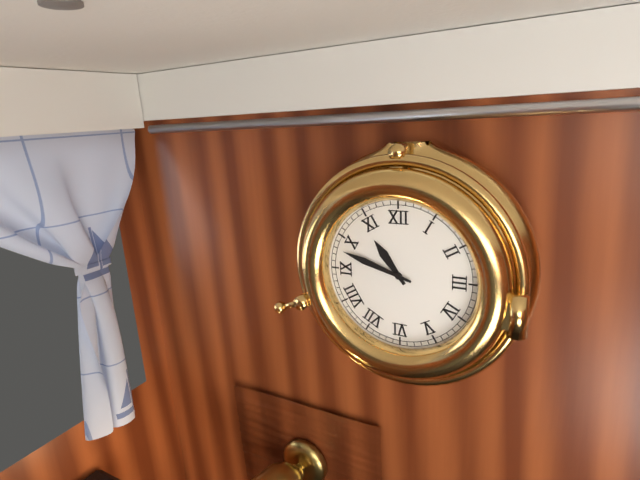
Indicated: **10:48**
